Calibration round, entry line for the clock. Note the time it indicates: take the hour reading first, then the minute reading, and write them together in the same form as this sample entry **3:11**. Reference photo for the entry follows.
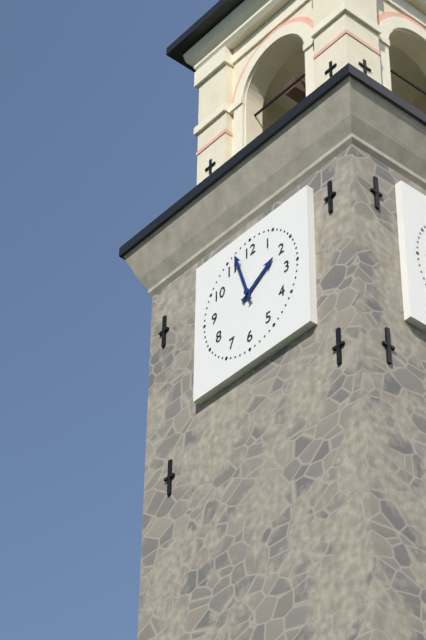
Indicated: **1:57**
